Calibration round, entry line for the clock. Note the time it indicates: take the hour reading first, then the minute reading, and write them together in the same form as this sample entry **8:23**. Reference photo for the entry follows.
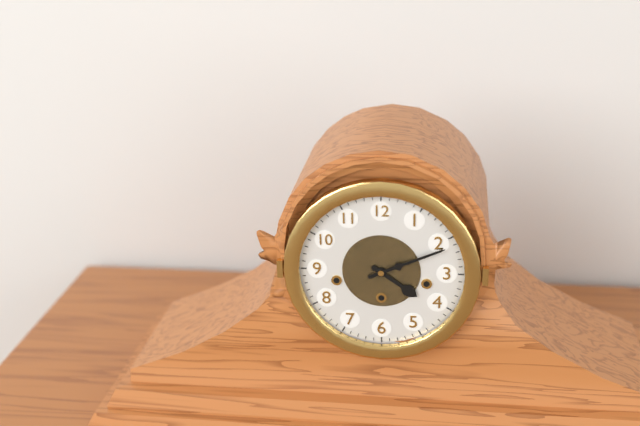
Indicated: **4:11**
